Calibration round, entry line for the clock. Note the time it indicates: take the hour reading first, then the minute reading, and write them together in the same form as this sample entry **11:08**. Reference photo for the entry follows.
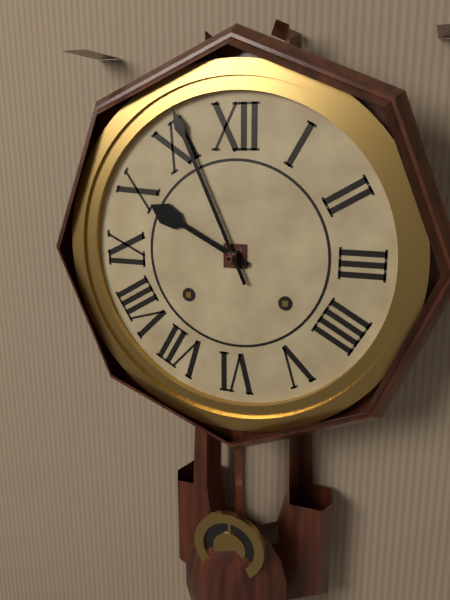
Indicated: **9:56**
